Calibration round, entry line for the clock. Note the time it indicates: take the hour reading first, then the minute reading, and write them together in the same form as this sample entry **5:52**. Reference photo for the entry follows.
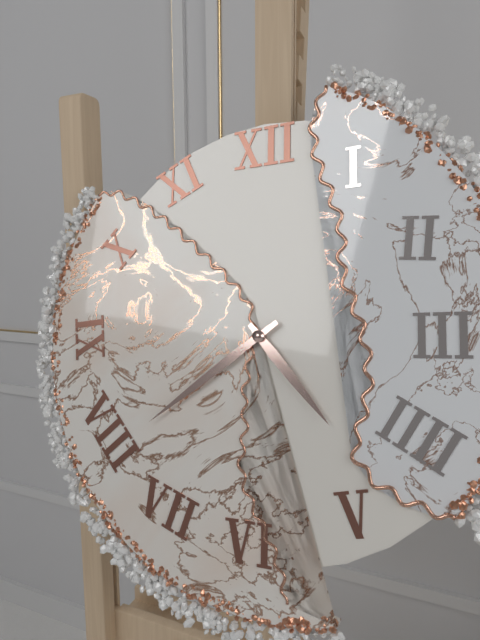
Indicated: **4:39**
